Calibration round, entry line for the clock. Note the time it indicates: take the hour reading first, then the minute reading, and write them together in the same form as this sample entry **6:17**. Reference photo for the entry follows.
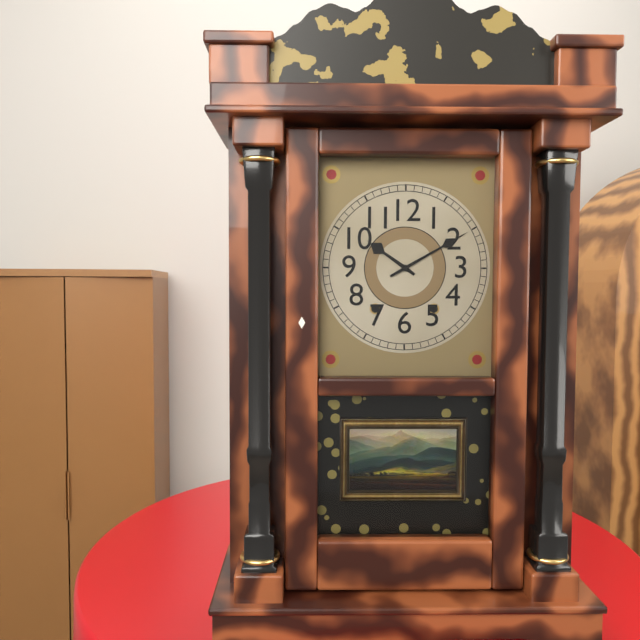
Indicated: **10:10**
